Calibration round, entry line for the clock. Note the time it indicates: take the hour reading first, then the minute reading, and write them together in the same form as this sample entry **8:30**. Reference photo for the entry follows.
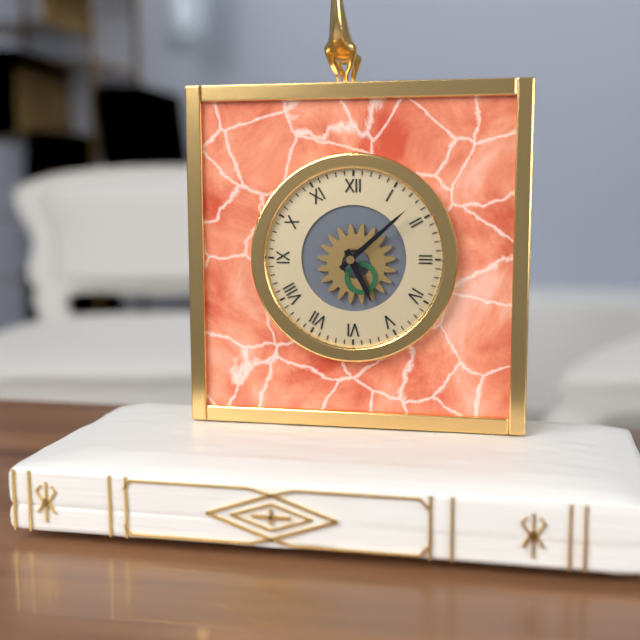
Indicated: **5:08**
